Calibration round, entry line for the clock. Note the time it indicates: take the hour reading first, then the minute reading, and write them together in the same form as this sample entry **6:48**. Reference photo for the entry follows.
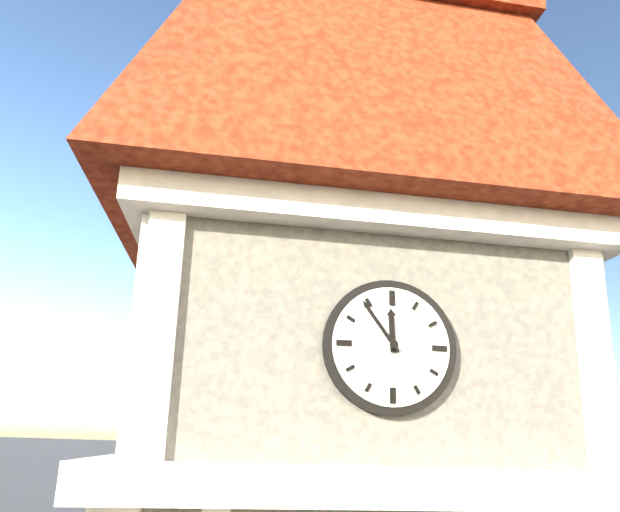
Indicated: **11:54**
